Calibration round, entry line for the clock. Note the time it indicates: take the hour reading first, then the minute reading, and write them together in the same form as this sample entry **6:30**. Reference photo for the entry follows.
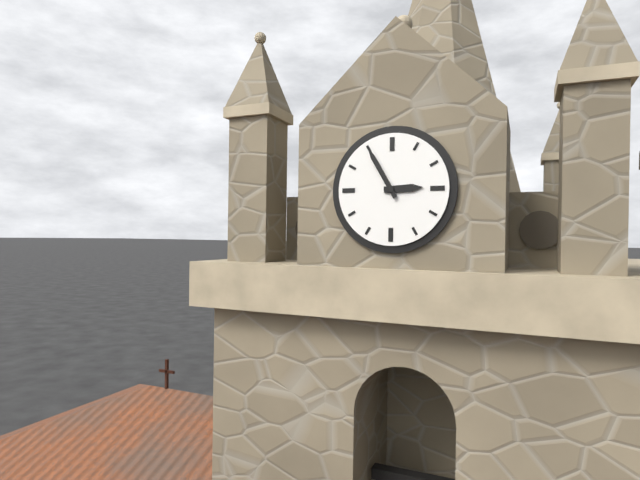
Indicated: **2:55**
